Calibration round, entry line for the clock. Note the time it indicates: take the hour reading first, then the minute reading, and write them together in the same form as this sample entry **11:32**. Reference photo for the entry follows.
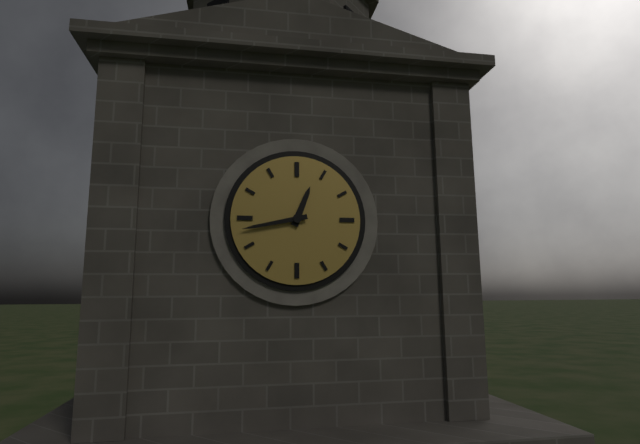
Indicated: **12:43**
